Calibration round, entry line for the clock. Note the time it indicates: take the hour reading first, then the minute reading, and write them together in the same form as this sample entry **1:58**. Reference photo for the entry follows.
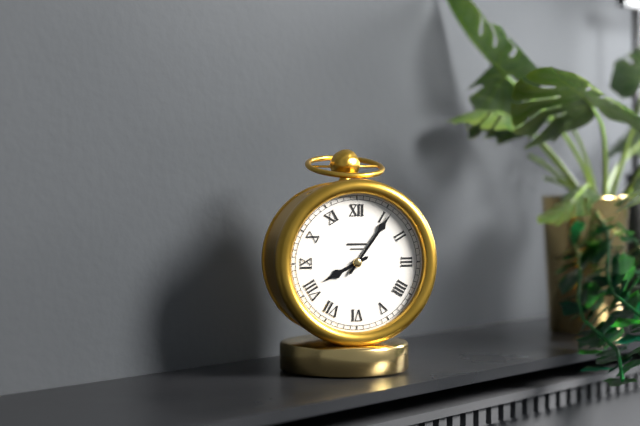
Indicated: **8:06**
